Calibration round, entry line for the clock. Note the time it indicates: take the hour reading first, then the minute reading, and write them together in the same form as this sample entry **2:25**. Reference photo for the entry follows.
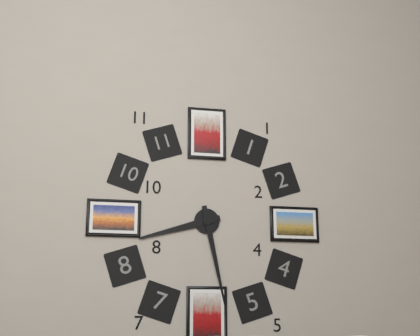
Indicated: **8:28**
